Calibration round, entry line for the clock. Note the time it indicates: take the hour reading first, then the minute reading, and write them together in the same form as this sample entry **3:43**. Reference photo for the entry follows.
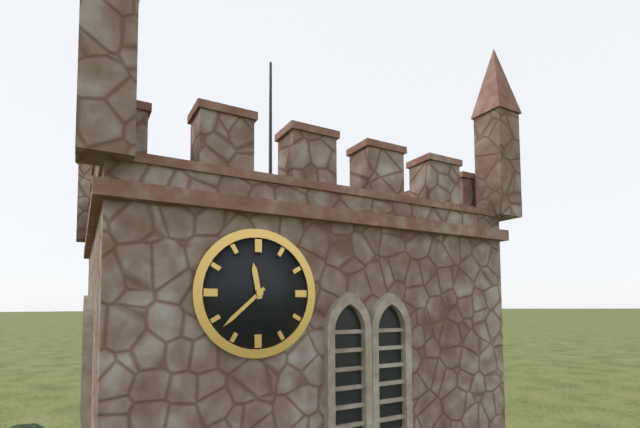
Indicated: **11:38**
